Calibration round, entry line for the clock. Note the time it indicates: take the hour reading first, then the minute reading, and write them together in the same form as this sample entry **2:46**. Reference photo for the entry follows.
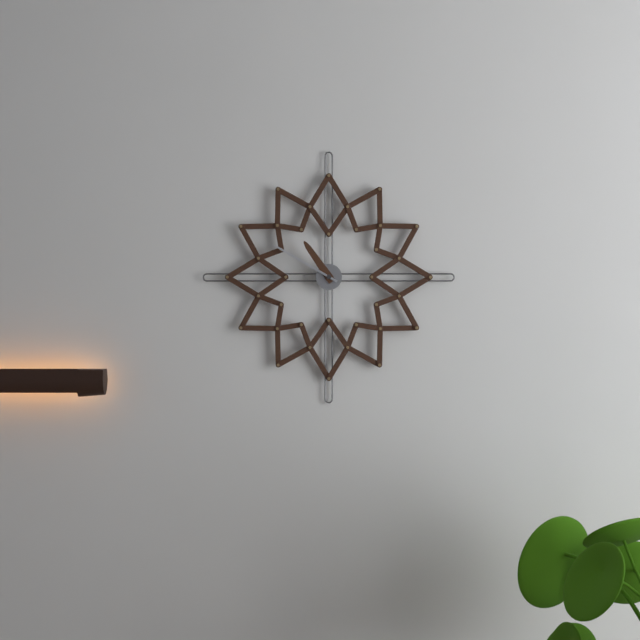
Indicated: **10:50**
